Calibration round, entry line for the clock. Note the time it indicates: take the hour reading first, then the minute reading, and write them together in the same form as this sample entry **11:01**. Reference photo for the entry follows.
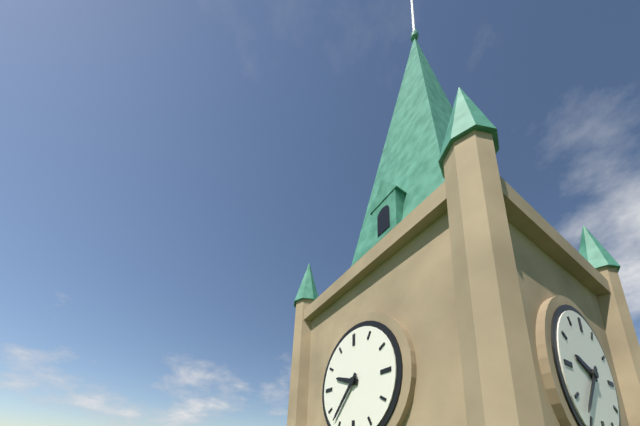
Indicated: **9:37**
